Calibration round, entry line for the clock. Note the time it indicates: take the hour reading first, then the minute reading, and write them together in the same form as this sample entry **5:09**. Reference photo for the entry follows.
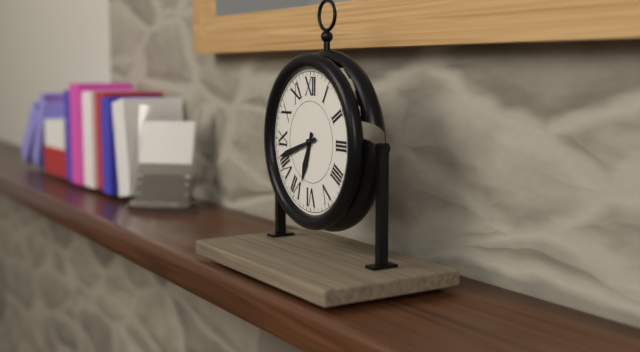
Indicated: **6:42**
